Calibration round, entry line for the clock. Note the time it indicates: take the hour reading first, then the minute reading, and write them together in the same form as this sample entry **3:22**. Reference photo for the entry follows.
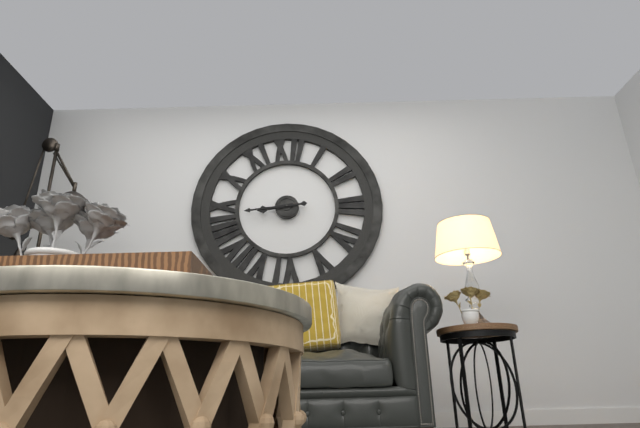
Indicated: **8:44**
